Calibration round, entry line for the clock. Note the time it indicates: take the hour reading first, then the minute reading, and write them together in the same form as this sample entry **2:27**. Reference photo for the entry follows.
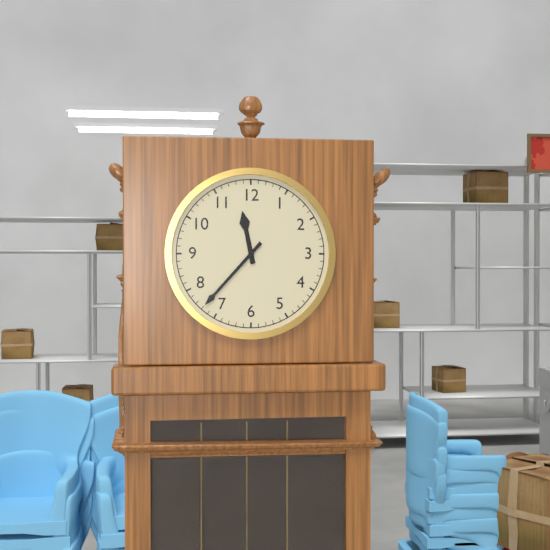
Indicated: **11:37**
